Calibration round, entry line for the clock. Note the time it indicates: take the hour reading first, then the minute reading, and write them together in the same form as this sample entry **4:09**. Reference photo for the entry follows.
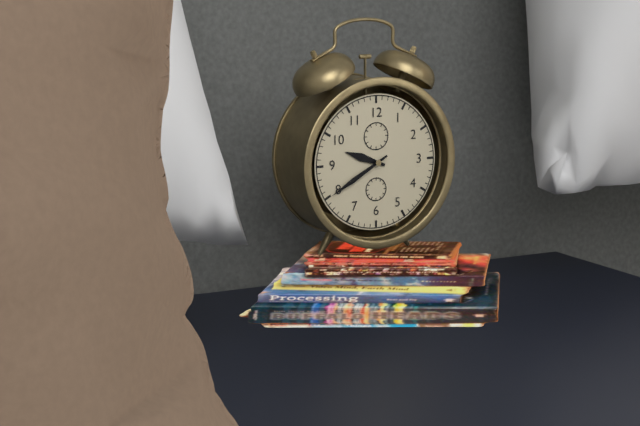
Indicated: **9:40**
